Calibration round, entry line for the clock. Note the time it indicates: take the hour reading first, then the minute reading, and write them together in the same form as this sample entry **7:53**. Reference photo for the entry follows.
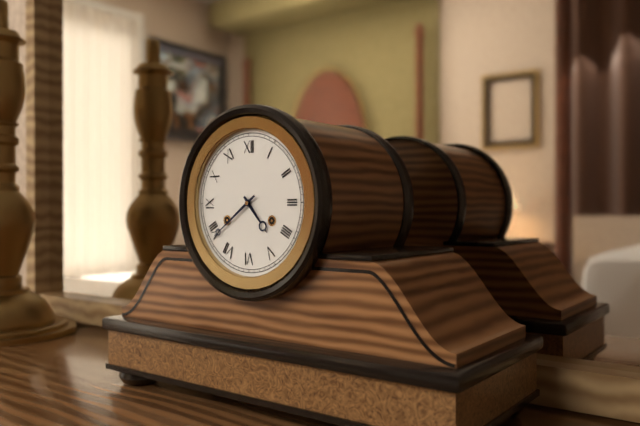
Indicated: **4:39**
